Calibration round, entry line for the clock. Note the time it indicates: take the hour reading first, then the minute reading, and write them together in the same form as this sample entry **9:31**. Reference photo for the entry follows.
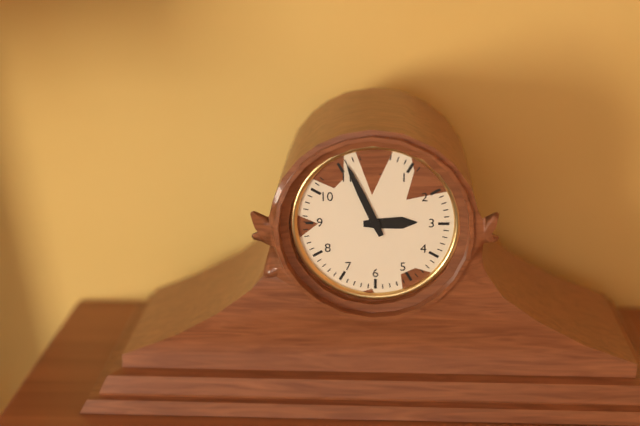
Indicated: **2:56**
